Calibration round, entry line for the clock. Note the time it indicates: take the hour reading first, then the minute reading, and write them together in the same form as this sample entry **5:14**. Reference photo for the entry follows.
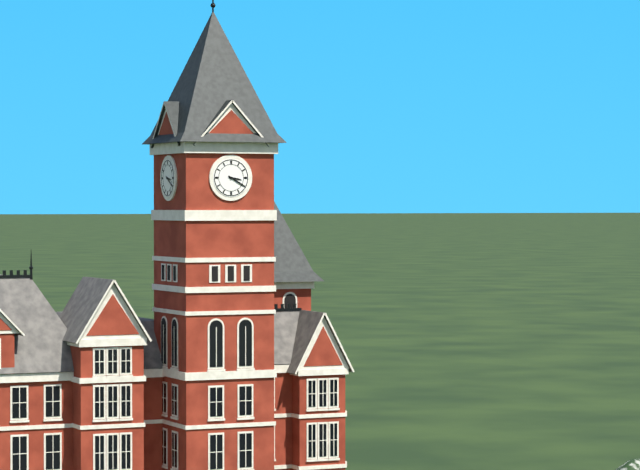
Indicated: **3:20**
